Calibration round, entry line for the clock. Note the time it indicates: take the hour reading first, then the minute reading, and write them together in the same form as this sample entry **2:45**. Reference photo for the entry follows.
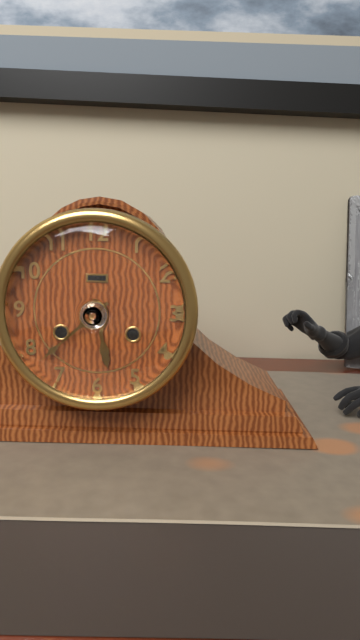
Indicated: **5:38**
